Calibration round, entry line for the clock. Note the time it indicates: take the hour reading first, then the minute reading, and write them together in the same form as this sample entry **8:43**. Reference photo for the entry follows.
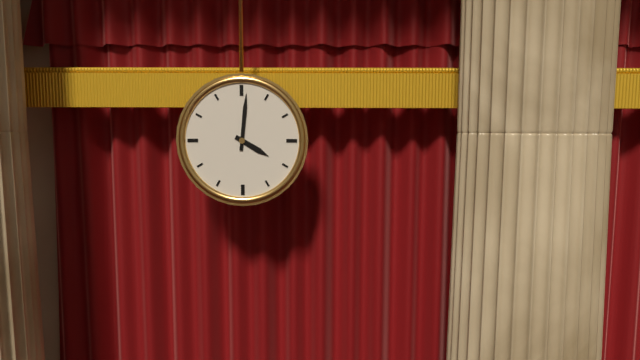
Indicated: **4:01**
